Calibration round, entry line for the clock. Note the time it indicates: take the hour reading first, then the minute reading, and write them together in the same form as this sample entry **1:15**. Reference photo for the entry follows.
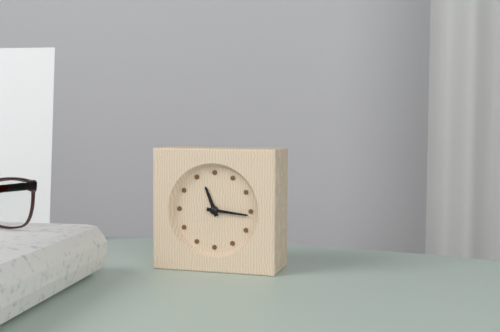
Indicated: **11:16**
